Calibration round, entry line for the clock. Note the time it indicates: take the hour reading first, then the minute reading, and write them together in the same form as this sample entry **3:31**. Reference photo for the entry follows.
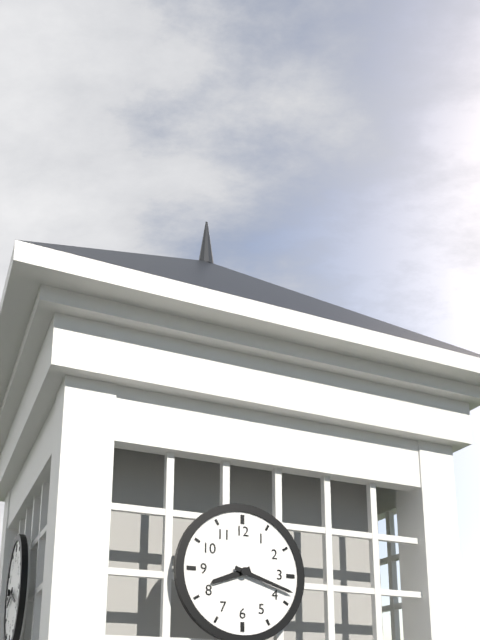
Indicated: **8:18**
